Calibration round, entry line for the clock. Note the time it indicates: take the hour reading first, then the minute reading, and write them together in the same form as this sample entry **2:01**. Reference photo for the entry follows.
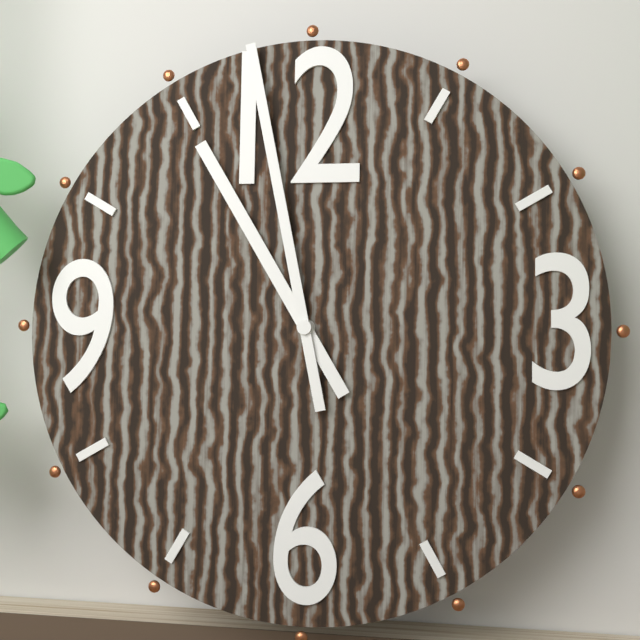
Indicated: **10:58**
